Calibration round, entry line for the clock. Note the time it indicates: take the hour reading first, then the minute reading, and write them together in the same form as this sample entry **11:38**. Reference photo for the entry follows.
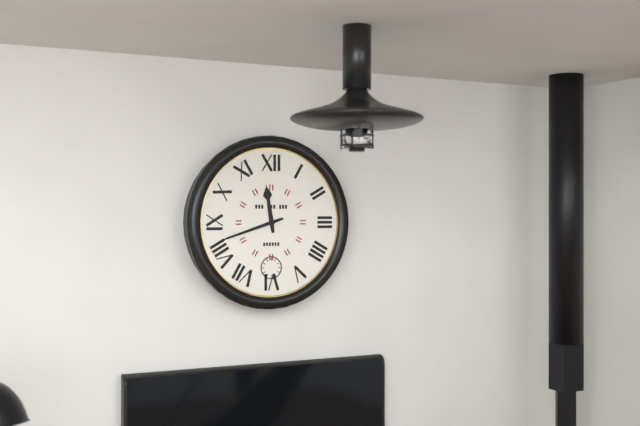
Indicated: **11:42**
